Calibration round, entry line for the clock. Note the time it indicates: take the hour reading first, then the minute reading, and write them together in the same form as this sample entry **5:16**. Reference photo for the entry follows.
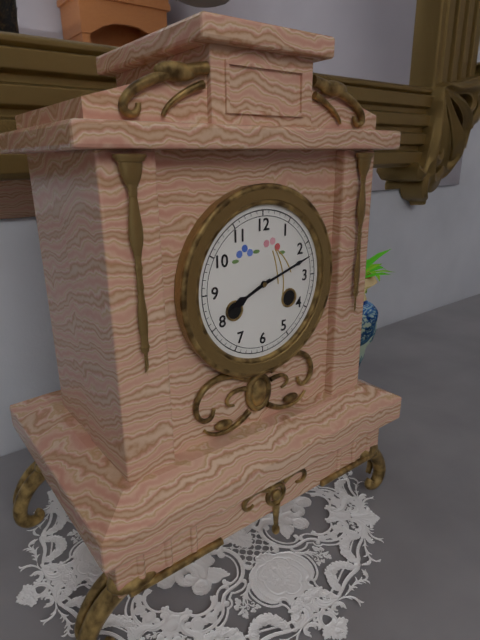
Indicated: **8:12**
